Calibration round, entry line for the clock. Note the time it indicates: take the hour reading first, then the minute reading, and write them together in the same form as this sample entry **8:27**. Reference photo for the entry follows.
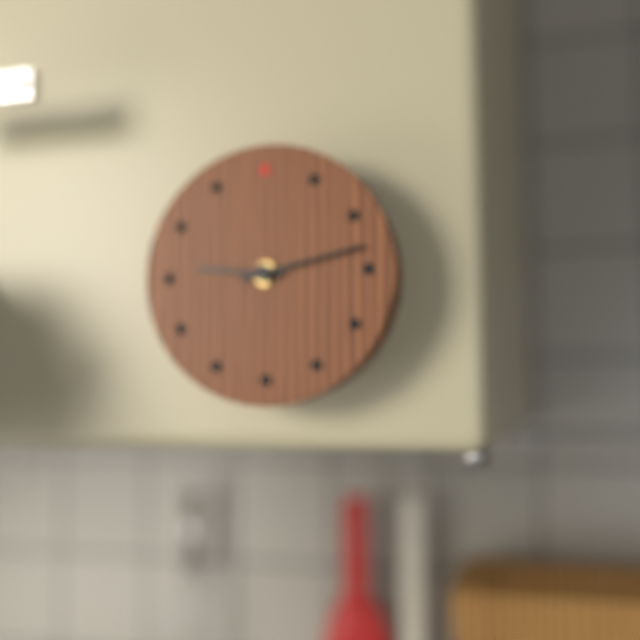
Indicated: **9:13**
